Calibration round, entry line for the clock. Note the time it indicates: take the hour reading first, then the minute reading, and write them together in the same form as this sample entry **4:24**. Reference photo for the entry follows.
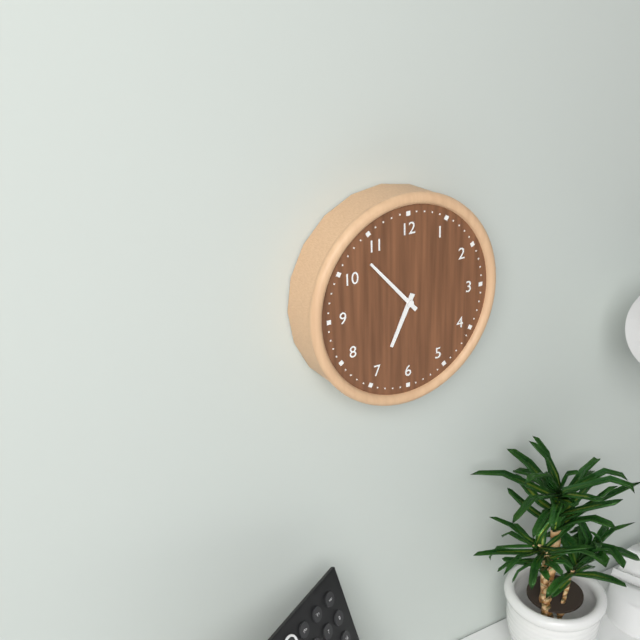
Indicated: **6:53**
